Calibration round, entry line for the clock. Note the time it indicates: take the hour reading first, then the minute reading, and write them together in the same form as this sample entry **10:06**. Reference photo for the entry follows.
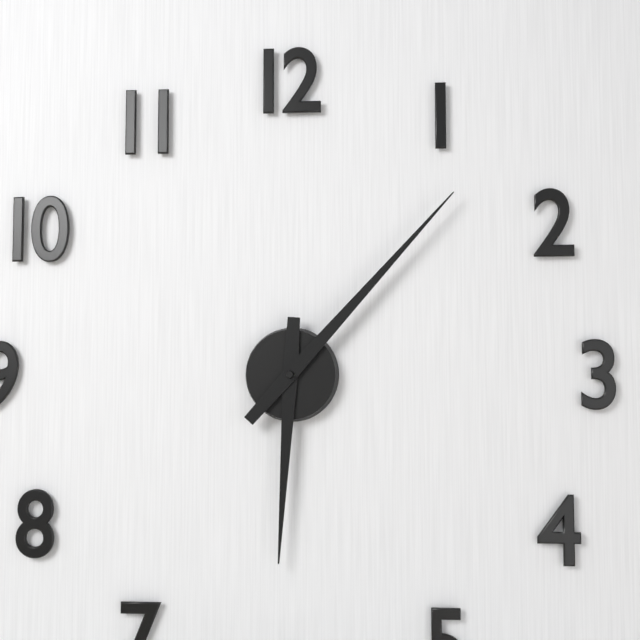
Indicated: **6:07**
